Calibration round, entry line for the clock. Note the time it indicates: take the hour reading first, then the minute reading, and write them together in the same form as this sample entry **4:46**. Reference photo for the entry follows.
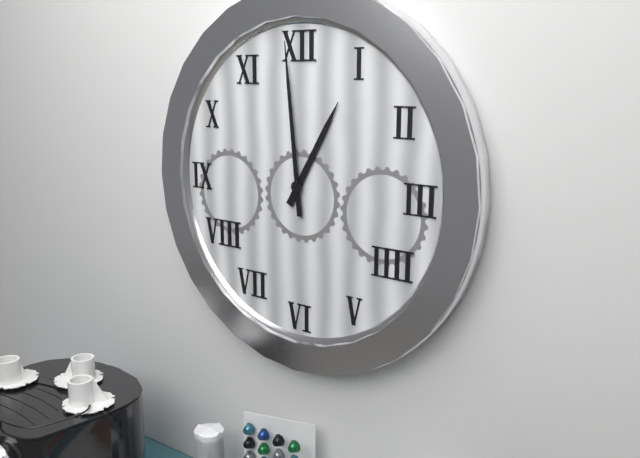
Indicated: **12:59**
